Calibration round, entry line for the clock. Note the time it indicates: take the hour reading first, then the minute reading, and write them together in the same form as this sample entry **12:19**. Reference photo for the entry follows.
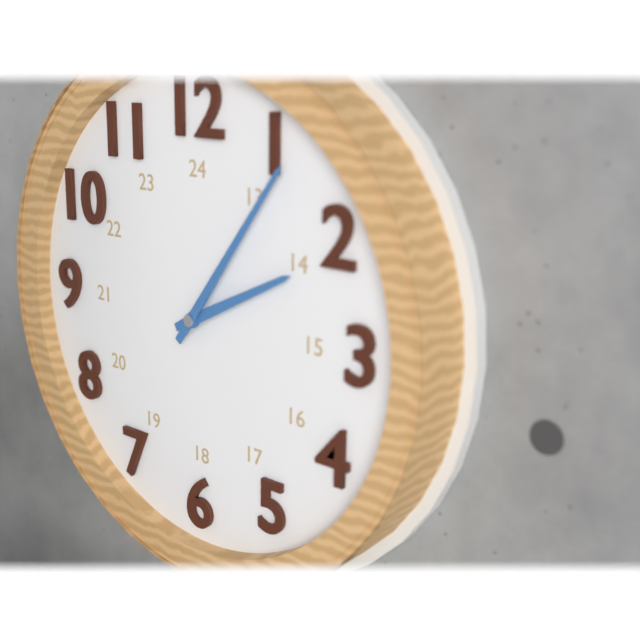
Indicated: **2:06**
